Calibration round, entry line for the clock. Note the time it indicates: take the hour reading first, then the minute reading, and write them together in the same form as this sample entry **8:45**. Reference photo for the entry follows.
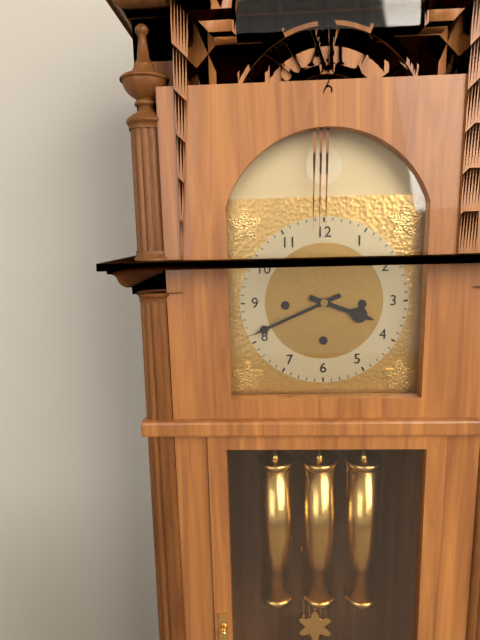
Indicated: **3:41**
